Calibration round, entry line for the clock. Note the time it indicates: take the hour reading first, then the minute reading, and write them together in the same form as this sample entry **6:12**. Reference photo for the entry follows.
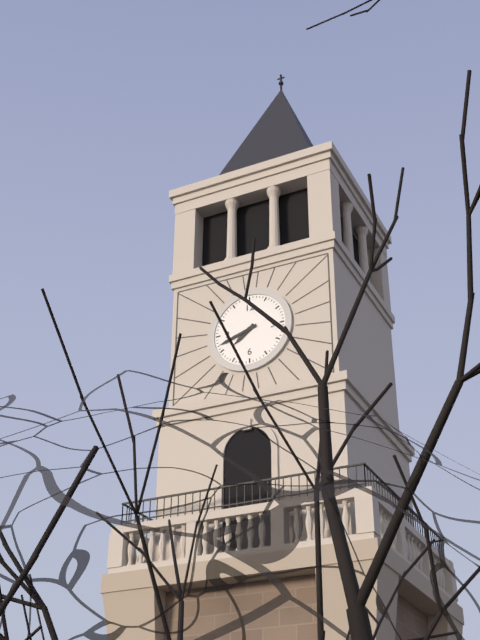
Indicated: **7:42**
